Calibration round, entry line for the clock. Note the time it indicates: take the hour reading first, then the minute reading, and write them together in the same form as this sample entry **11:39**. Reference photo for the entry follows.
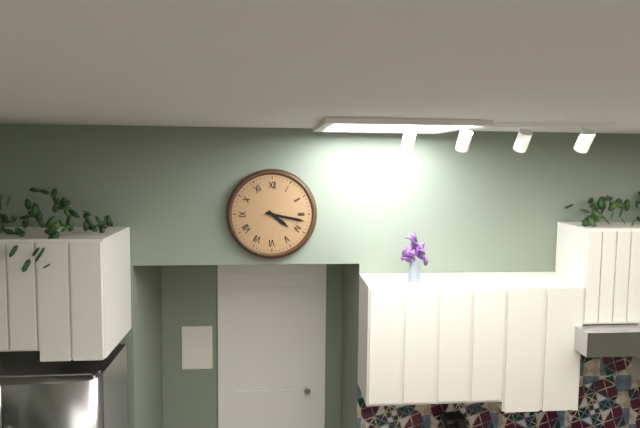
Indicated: **4:17**
